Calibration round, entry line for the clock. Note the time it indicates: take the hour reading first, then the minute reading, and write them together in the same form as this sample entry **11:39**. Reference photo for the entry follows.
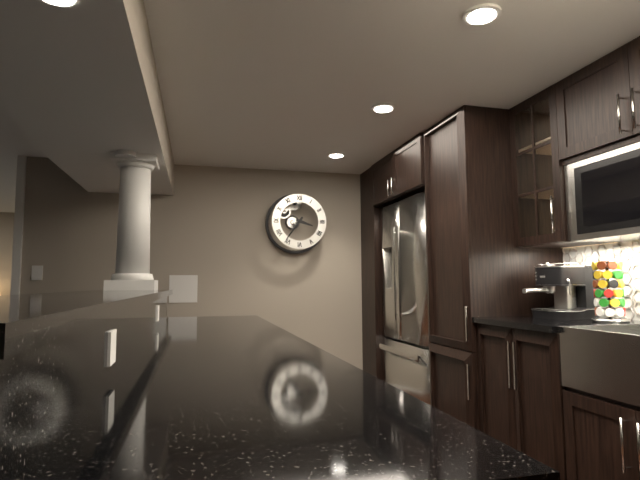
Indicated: **3:36**
